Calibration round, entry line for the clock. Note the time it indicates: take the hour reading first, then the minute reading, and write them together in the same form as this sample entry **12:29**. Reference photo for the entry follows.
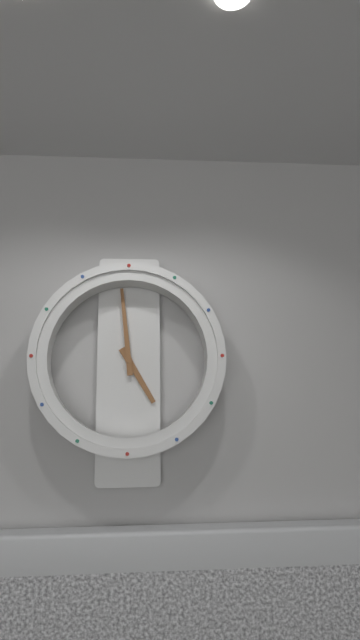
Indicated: **4:59**
